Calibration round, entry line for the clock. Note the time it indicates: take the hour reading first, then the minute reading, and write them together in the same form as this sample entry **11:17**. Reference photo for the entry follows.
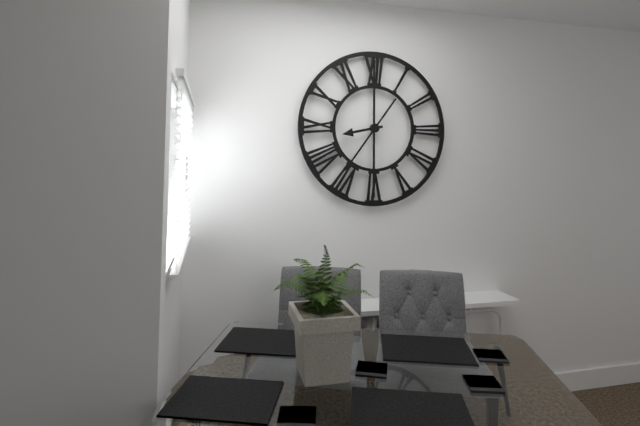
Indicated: **8:36**
